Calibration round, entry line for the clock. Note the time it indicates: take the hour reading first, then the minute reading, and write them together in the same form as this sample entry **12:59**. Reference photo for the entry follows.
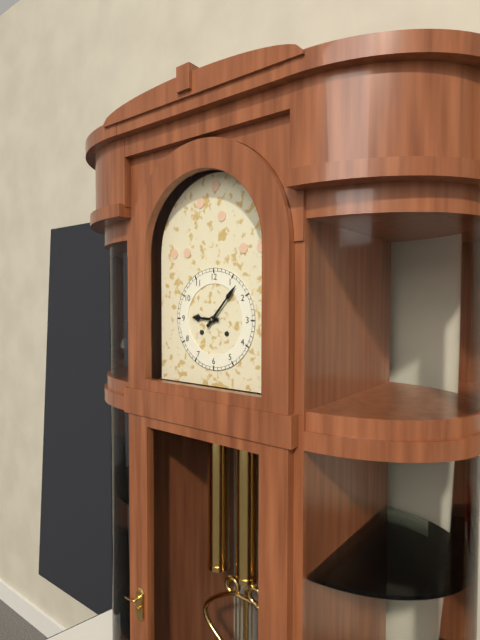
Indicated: **9:07**
